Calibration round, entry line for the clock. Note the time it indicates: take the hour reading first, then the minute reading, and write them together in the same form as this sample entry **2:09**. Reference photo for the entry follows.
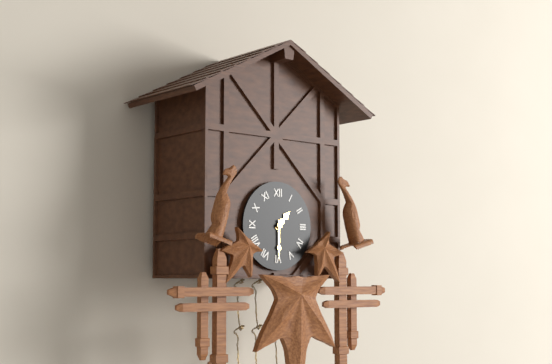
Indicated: **1:30**
